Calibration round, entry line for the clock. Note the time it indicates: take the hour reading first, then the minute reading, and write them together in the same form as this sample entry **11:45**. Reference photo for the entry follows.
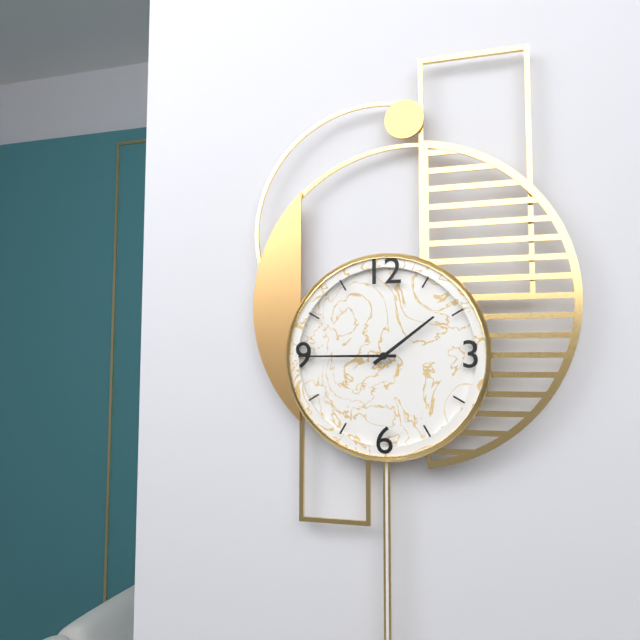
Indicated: **1:45**
